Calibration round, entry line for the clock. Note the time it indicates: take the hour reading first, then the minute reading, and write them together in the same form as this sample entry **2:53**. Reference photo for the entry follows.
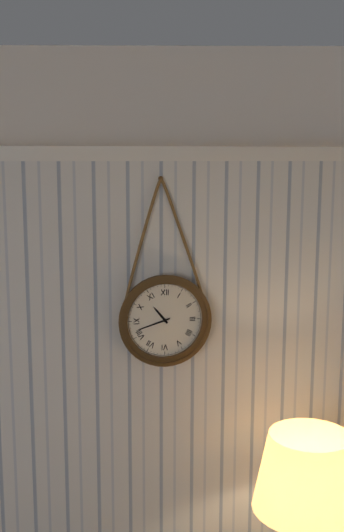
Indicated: **10:42**
